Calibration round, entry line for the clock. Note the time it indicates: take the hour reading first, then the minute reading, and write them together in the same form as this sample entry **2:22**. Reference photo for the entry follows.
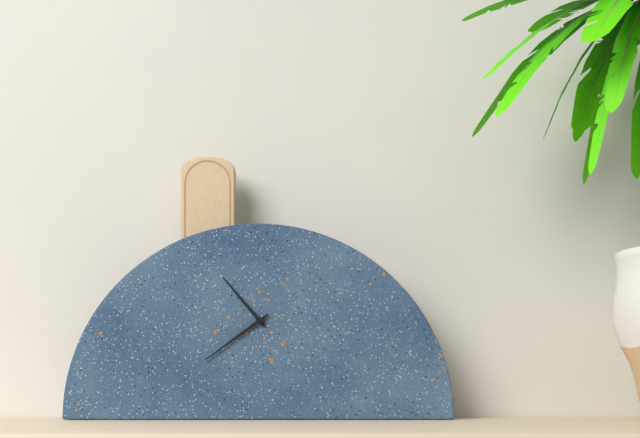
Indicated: **10:39**
